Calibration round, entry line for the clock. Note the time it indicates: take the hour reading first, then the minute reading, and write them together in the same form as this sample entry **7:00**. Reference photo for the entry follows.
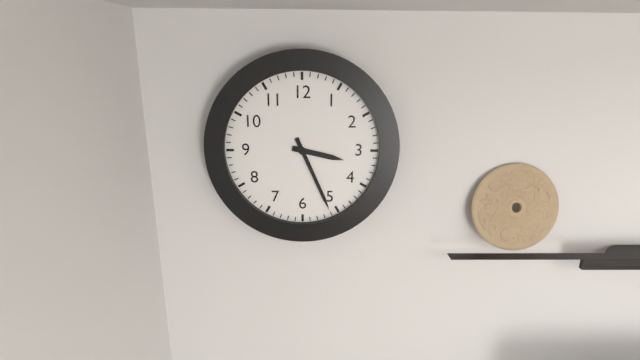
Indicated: **3:26**
